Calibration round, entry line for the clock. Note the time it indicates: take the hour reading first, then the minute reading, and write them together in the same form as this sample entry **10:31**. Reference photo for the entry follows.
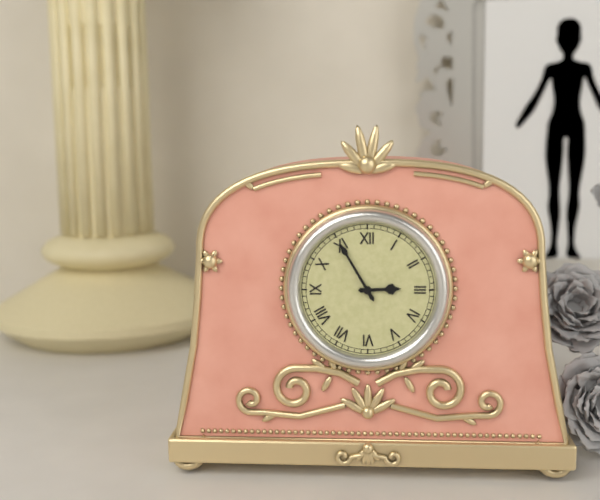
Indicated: **2:55**
